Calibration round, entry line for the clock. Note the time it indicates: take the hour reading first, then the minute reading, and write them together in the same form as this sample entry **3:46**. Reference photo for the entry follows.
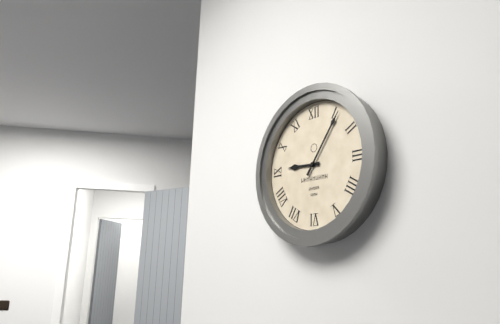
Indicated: **9:06**
